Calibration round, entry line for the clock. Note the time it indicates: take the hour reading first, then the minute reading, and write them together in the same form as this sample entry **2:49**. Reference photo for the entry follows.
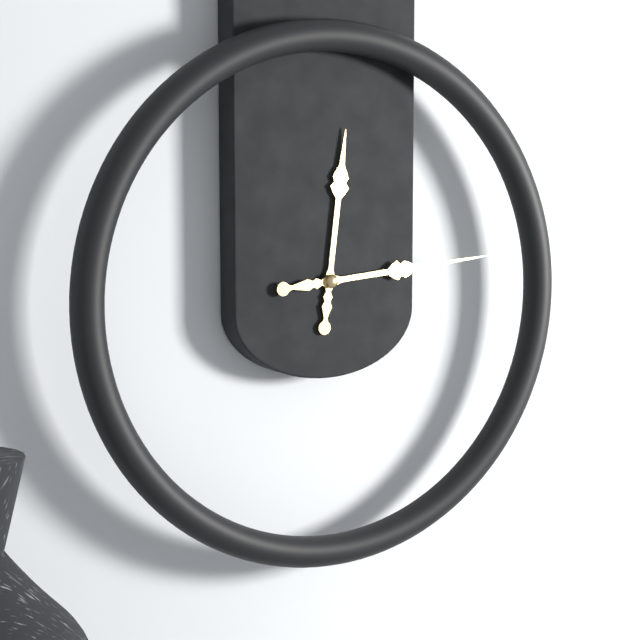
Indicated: **12:14**
